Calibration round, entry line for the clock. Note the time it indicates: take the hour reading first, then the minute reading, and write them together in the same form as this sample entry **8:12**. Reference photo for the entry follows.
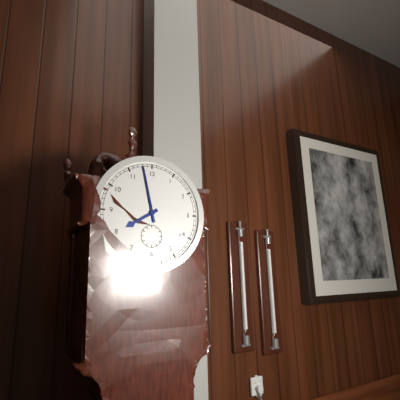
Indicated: **7:58**
